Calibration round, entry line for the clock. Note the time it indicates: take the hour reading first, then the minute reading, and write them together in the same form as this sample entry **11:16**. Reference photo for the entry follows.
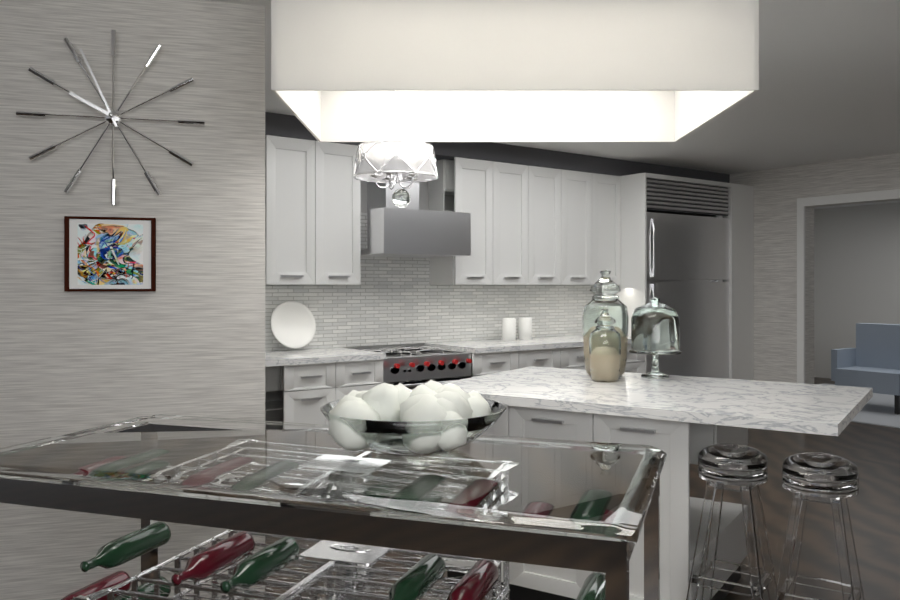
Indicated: **9:56**
